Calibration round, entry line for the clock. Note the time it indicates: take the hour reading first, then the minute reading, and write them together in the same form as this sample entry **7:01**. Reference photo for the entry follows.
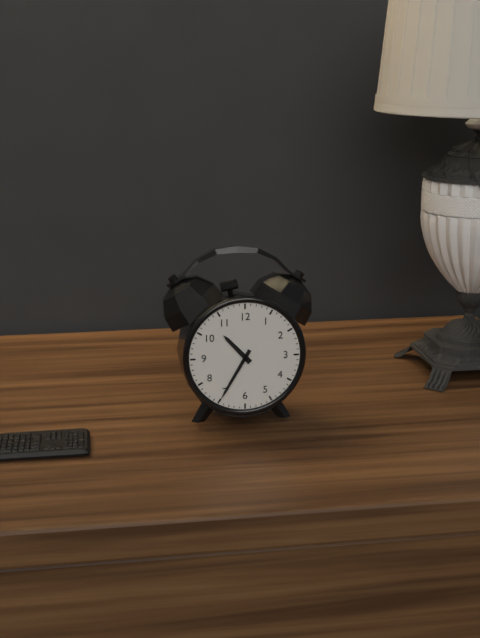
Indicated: **10:35**
